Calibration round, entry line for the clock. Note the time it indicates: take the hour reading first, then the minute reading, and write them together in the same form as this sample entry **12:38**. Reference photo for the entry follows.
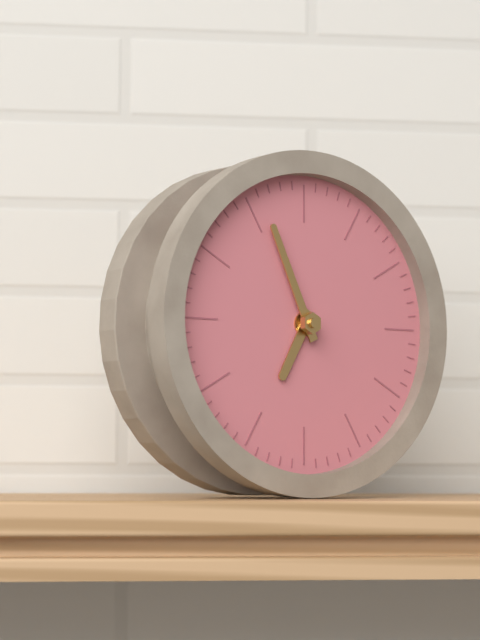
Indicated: **6:56**
